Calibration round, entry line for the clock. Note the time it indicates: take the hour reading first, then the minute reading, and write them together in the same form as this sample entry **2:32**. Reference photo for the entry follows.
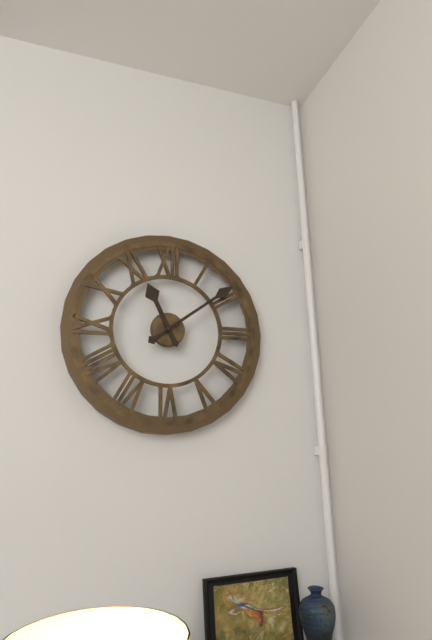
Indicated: **11:09**
